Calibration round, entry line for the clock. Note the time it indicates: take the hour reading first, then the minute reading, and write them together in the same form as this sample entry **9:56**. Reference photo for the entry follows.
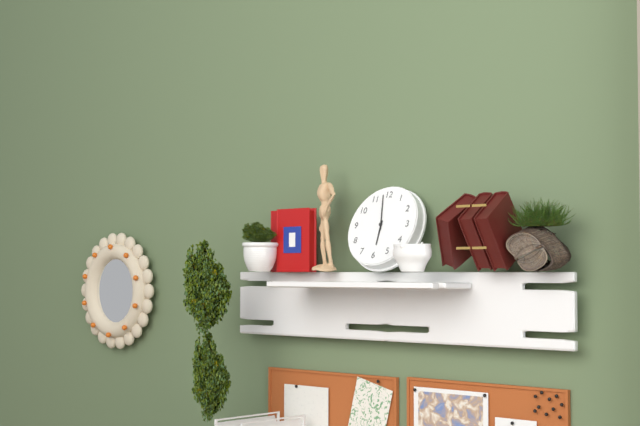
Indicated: **5:58**
